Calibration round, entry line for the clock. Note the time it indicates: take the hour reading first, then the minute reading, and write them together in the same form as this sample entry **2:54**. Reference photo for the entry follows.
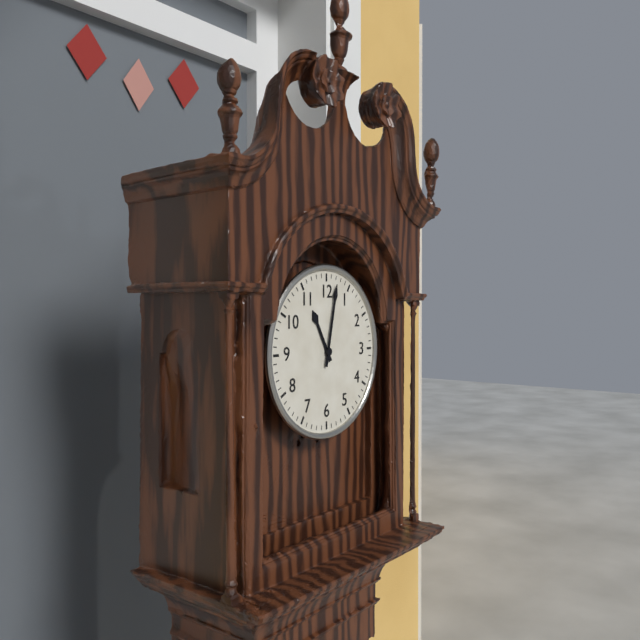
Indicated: **11:02**
